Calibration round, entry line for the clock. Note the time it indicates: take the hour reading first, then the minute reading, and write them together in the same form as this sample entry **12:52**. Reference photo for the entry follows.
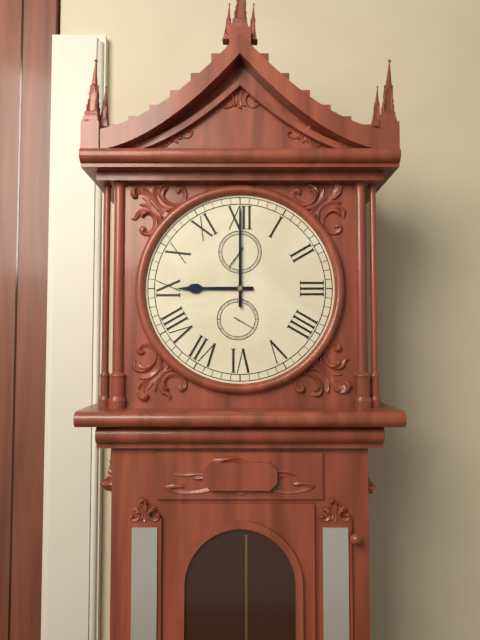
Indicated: **9:00**
